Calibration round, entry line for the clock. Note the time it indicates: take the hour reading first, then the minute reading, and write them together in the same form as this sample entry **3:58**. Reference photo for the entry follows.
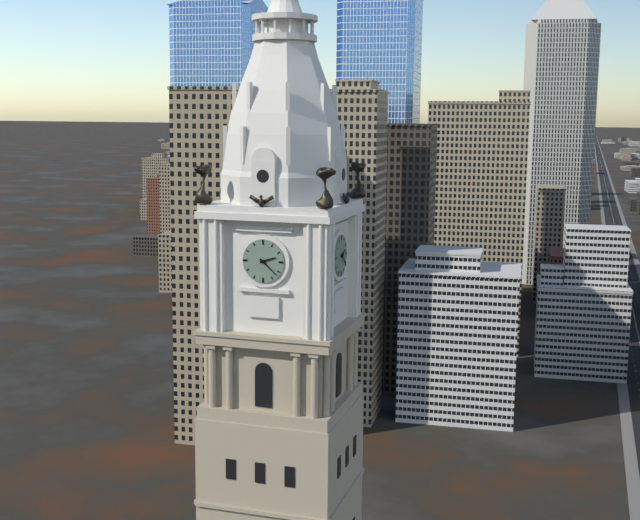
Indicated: **2:22**
